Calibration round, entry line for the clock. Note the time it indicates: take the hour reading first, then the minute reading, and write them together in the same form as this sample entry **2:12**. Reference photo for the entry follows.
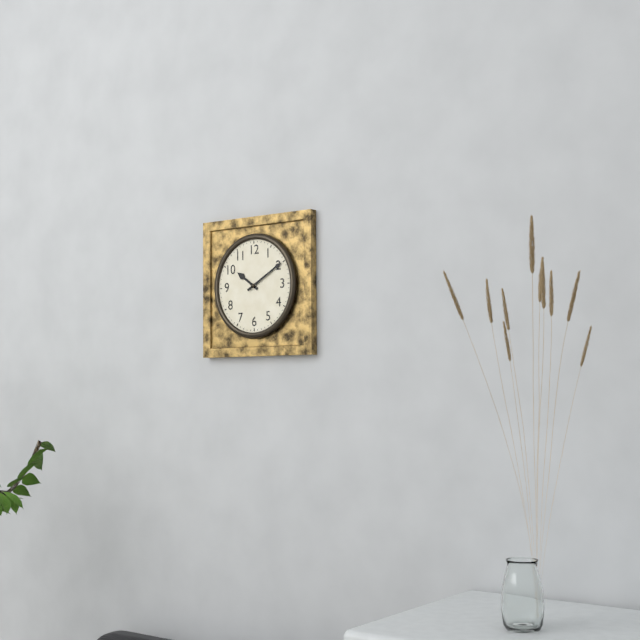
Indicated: **10:10**
